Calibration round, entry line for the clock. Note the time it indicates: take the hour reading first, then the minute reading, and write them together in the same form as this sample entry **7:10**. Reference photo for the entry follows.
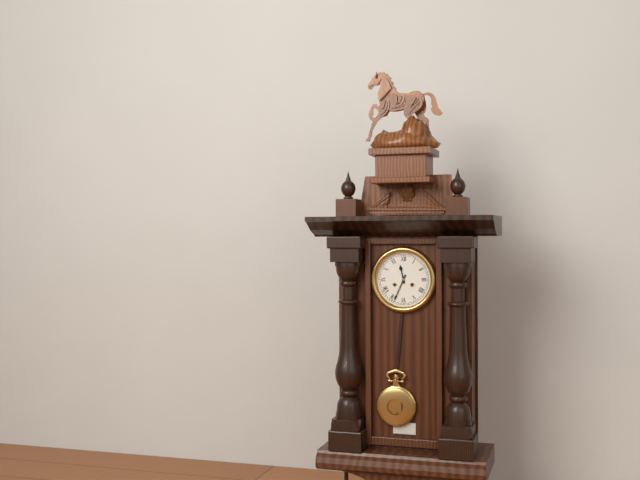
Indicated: **11:34**
